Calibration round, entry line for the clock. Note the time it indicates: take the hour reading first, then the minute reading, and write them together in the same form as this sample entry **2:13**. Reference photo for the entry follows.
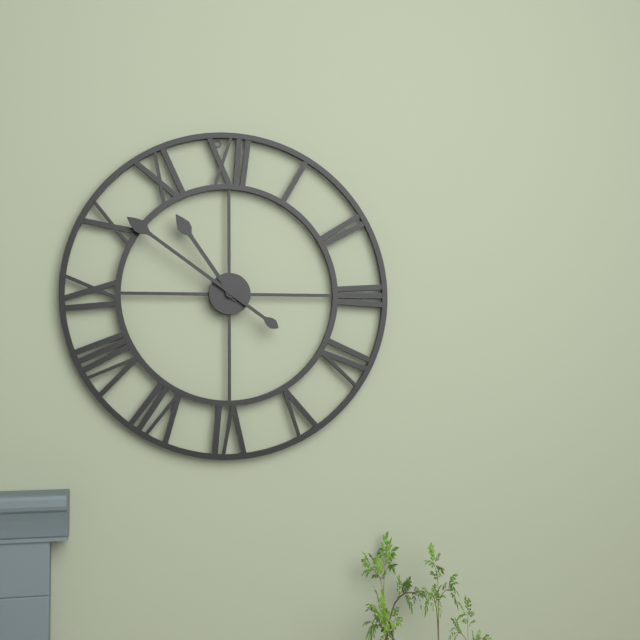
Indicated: **10:51**
